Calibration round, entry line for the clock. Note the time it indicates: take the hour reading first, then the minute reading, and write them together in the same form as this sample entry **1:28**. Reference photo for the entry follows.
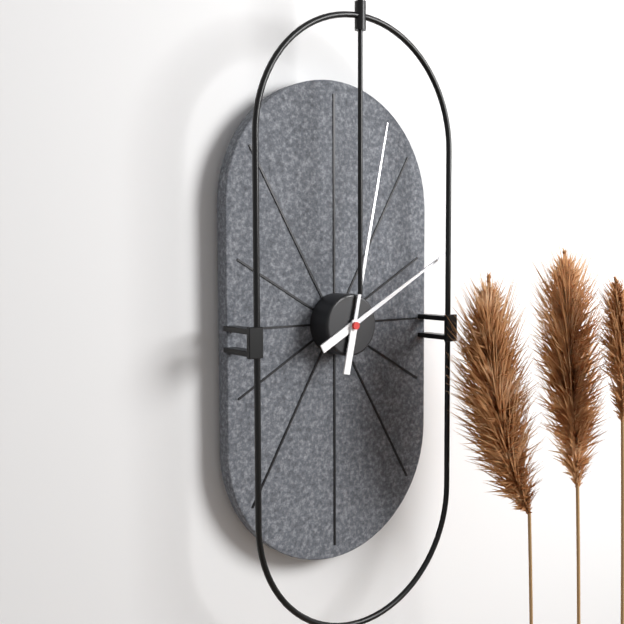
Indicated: **2:02**
